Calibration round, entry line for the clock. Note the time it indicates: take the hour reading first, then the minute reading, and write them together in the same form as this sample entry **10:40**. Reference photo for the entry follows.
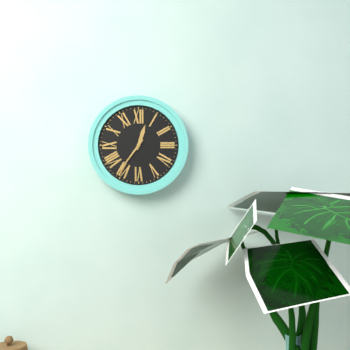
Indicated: **12:36**
